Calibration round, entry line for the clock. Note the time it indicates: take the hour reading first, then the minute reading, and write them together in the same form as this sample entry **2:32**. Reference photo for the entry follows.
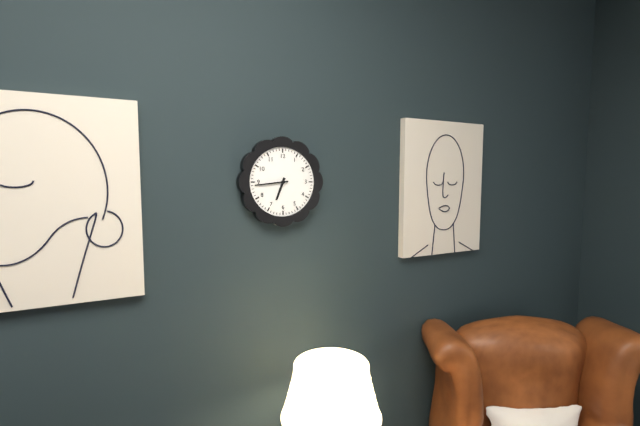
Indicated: **6:44**
